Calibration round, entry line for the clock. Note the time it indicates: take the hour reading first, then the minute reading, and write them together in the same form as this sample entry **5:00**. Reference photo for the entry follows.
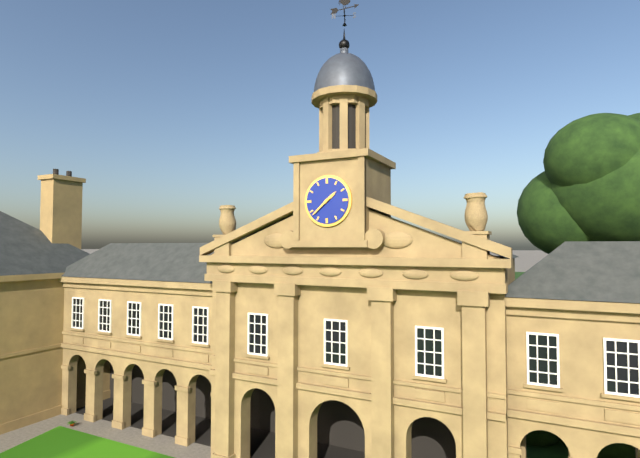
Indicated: **1:38**
